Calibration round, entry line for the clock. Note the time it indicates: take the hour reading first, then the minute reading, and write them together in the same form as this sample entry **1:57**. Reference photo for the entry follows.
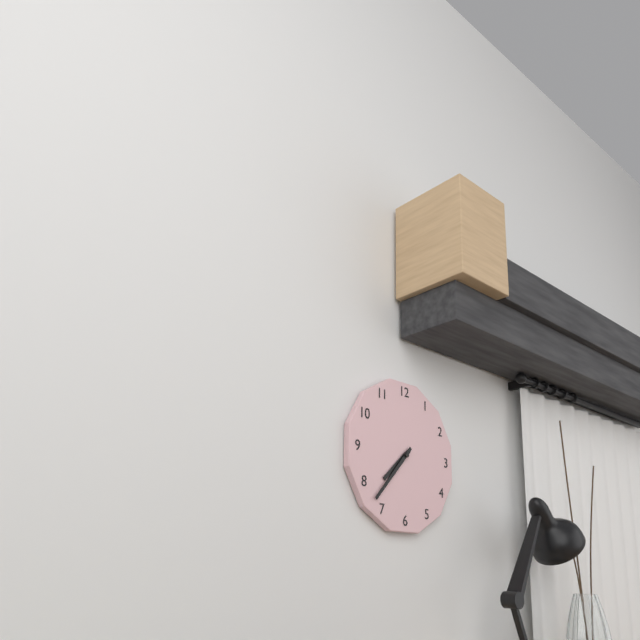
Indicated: **7:37**
